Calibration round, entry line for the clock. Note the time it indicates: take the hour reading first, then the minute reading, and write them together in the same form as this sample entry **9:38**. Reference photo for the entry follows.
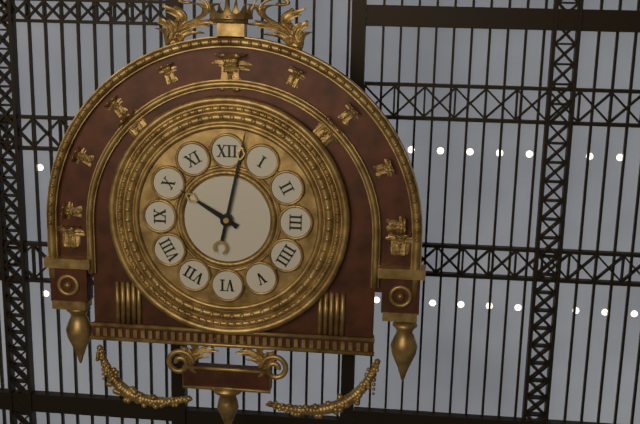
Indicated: **10:02**
